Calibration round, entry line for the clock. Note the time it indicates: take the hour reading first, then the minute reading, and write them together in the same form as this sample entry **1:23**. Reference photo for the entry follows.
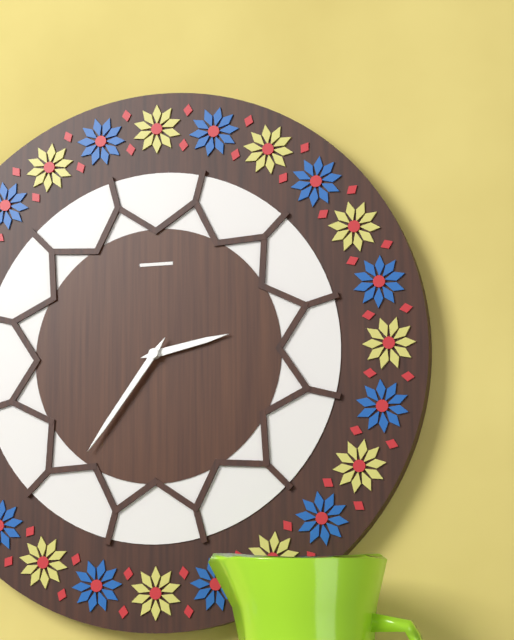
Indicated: **2:36**
